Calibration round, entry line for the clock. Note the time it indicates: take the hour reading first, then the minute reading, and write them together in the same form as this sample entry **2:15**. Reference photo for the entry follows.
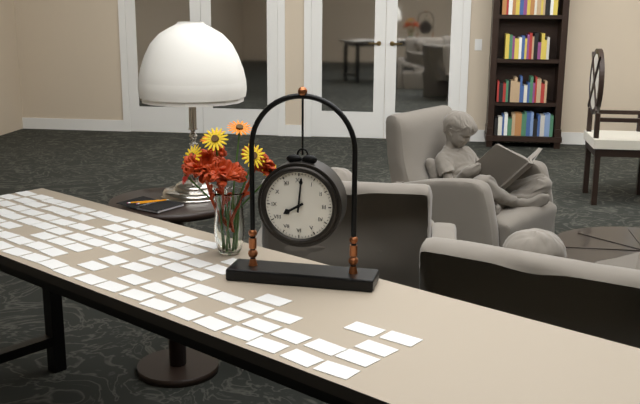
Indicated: **8:01**
